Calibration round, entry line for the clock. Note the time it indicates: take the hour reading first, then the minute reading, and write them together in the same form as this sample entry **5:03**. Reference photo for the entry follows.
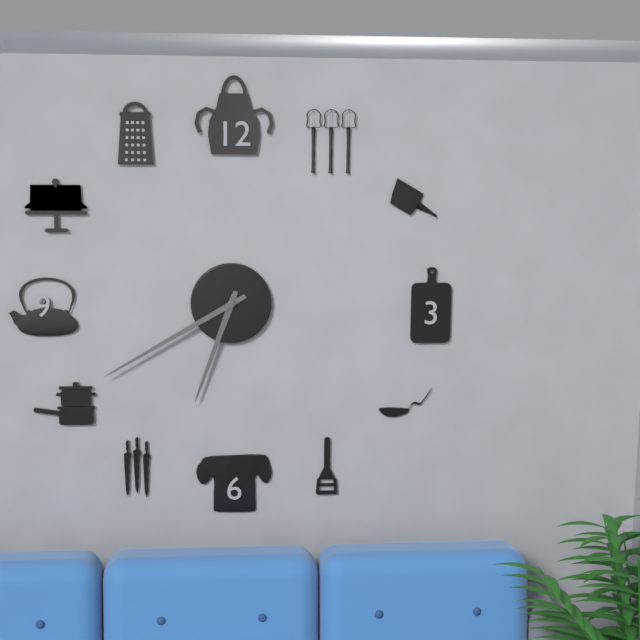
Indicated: **6:40**
